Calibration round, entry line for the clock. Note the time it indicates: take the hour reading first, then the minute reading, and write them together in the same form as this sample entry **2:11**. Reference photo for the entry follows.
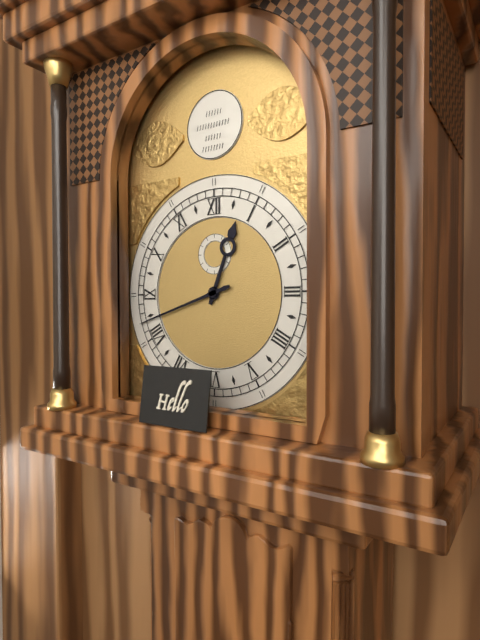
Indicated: **12:42**
